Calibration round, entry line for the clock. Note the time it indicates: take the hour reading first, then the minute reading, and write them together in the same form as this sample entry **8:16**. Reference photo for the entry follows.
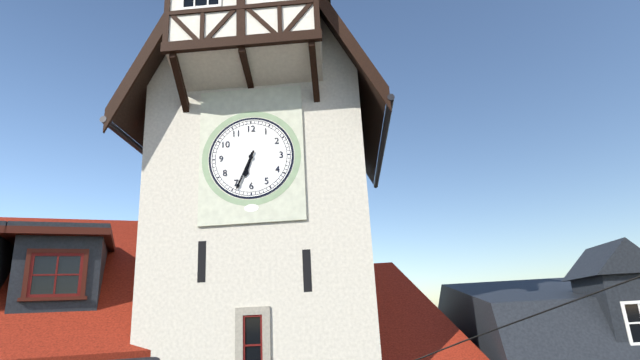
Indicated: **6:34**
